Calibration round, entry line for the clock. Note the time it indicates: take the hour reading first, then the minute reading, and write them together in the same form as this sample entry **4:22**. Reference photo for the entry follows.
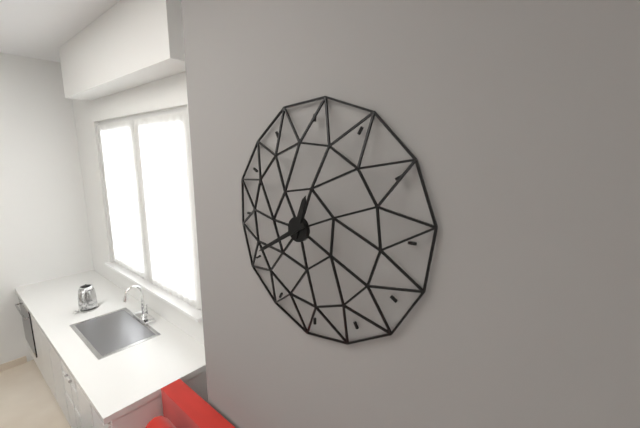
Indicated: **12:40**
